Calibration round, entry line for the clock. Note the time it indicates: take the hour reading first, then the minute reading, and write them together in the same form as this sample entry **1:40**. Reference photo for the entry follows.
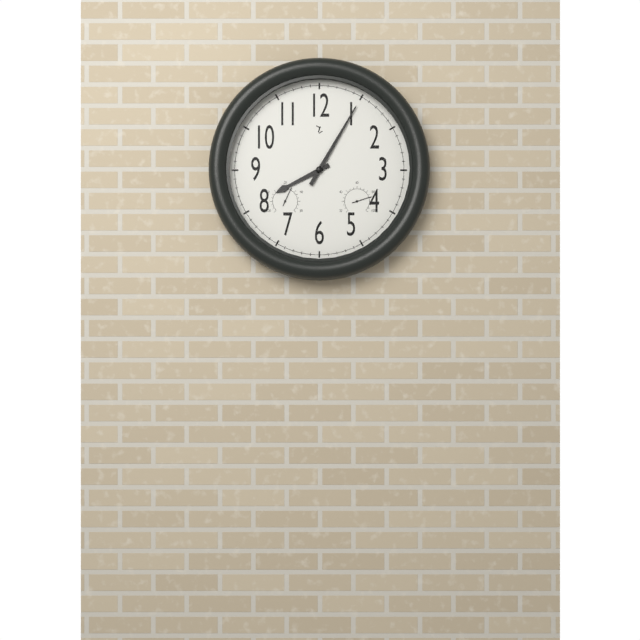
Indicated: **8:05**
